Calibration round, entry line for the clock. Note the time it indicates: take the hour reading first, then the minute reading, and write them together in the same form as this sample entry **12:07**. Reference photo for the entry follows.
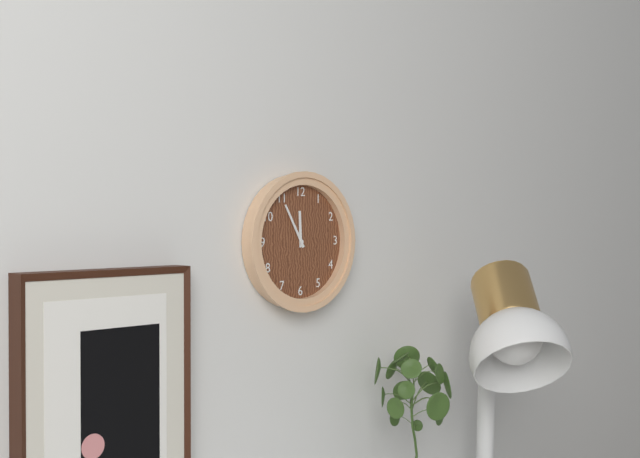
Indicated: **11:55**
